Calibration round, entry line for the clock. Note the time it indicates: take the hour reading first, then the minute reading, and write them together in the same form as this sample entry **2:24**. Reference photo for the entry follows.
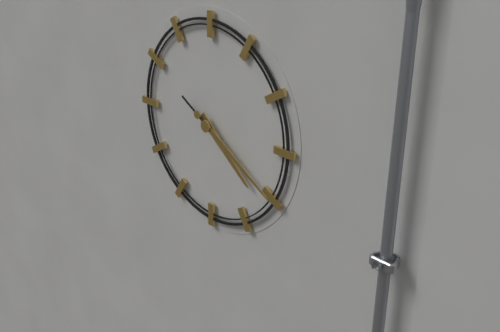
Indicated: **4:20**
